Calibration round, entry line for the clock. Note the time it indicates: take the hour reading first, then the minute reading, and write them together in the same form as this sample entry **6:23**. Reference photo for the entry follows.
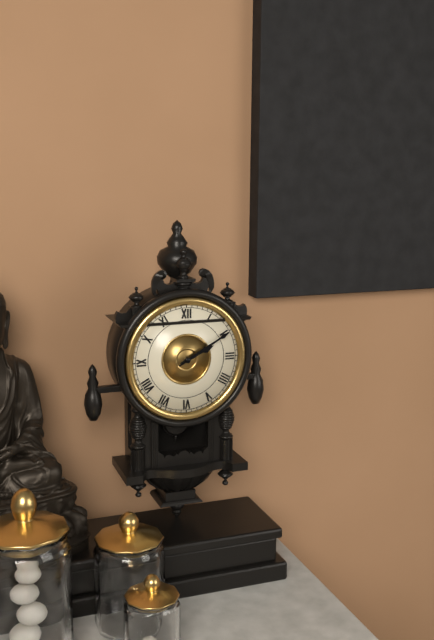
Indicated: **2:10**
